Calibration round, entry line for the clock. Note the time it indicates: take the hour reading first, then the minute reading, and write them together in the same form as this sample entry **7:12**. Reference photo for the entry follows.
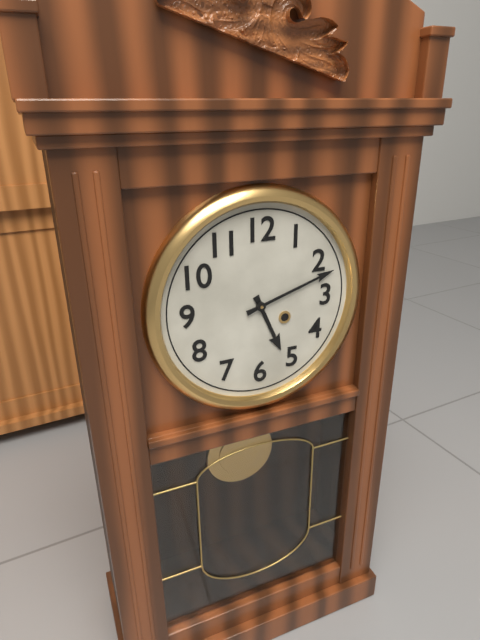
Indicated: **5:12**
